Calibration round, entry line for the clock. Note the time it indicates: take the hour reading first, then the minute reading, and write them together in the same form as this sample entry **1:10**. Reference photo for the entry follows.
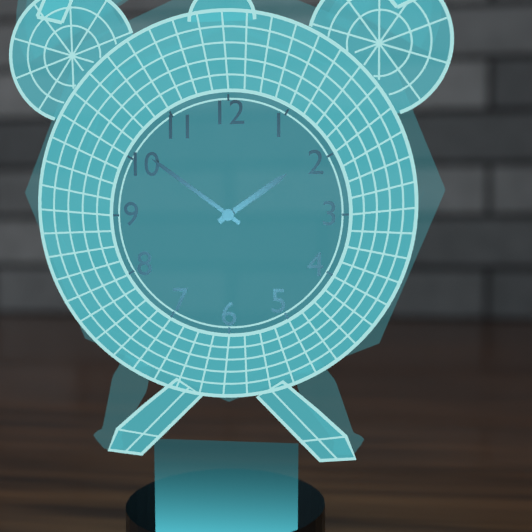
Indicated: **1:51**
